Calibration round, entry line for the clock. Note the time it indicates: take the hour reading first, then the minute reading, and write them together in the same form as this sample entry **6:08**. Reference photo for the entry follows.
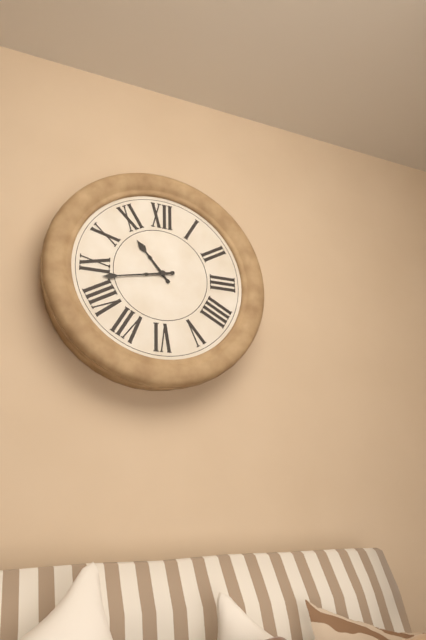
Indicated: **10:43**
